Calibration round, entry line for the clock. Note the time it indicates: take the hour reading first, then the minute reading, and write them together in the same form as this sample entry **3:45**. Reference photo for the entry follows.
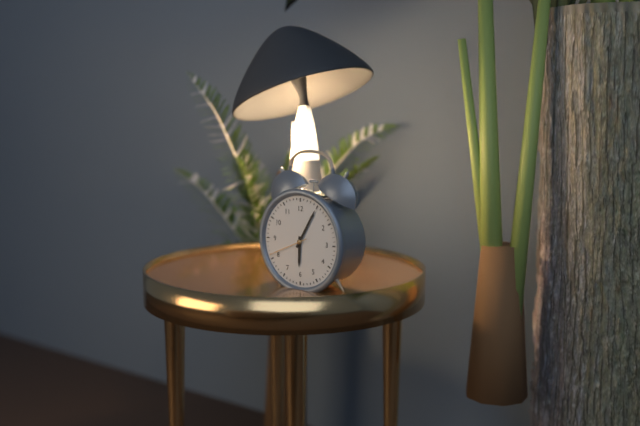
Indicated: **6:05**
